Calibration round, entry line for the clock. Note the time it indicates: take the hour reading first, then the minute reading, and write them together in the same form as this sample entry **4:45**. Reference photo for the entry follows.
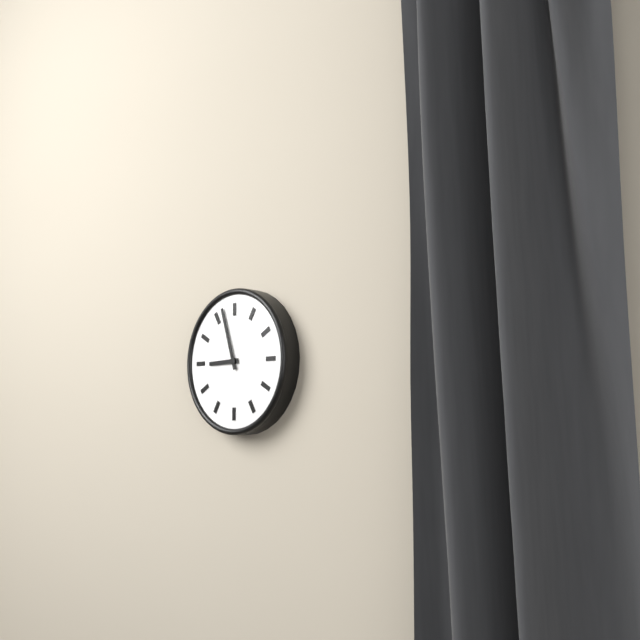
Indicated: **8:57**
